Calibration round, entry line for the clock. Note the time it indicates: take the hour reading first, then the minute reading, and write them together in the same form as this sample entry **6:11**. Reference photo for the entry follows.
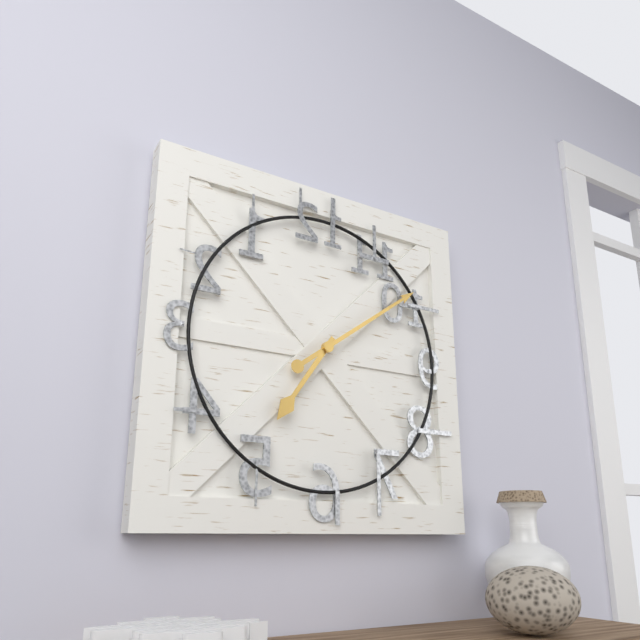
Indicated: **7:09**
